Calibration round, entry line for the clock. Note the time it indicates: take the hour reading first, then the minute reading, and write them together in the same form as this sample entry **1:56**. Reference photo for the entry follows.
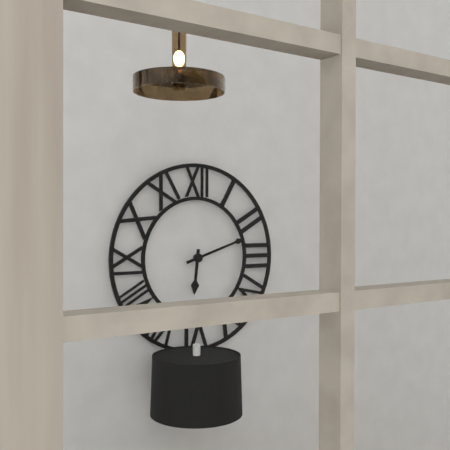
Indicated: **6:12**
